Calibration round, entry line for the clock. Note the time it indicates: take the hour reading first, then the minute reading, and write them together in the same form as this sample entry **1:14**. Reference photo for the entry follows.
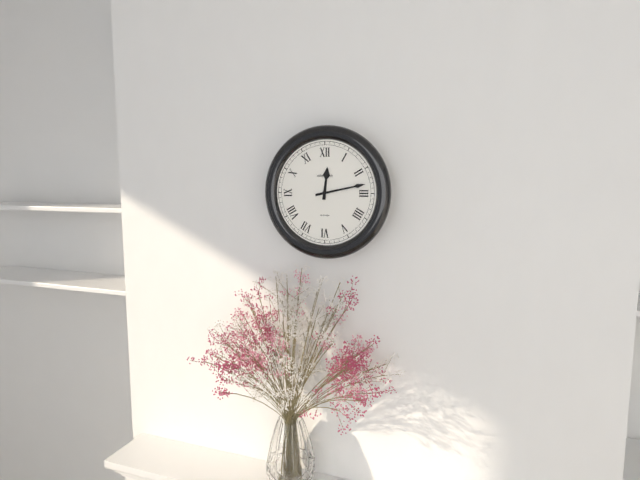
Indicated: **12:13**
